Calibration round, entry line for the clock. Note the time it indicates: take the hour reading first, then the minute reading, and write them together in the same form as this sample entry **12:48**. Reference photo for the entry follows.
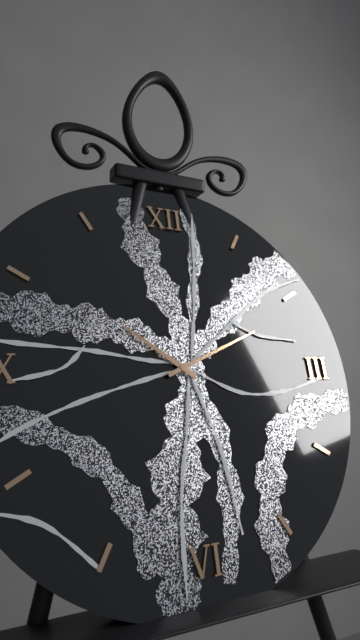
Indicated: **10:11**
